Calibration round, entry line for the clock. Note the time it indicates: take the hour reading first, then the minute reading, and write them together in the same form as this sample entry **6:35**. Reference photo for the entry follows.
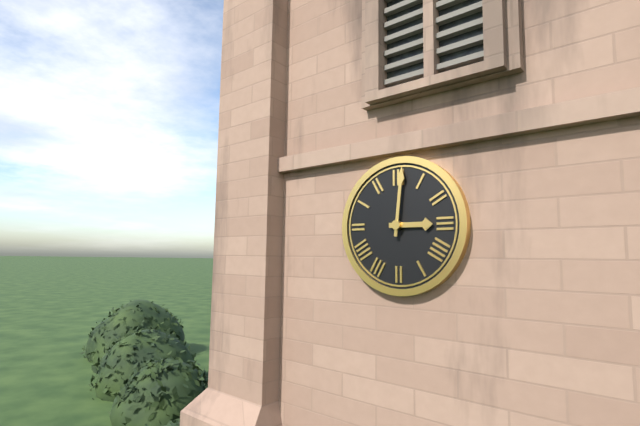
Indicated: **3:01**
